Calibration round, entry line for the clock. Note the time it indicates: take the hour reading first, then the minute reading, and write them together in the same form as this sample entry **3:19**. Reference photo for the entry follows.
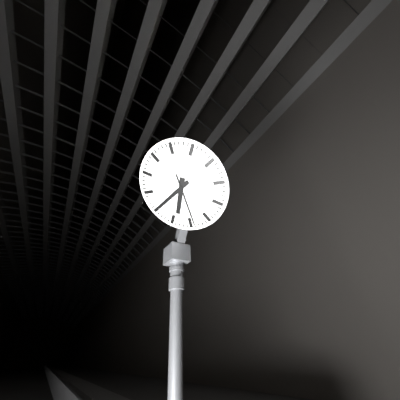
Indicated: **7:45**
